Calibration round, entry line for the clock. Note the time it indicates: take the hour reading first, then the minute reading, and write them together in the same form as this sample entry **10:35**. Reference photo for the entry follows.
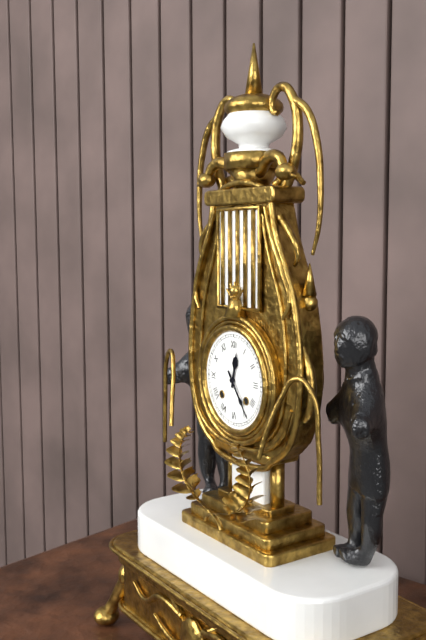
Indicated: **12:24**
